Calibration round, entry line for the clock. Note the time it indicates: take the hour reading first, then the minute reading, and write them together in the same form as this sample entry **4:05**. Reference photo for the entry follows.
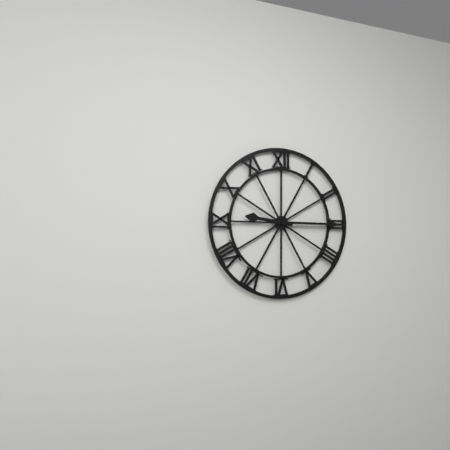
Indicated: **9:15**
